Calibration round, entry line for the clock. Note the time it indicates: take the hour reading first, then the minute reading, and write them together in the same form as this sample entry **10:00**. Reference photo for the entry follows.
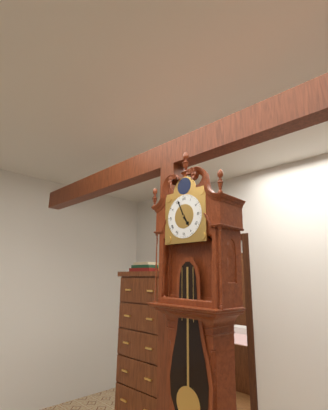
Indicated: **4:56**
